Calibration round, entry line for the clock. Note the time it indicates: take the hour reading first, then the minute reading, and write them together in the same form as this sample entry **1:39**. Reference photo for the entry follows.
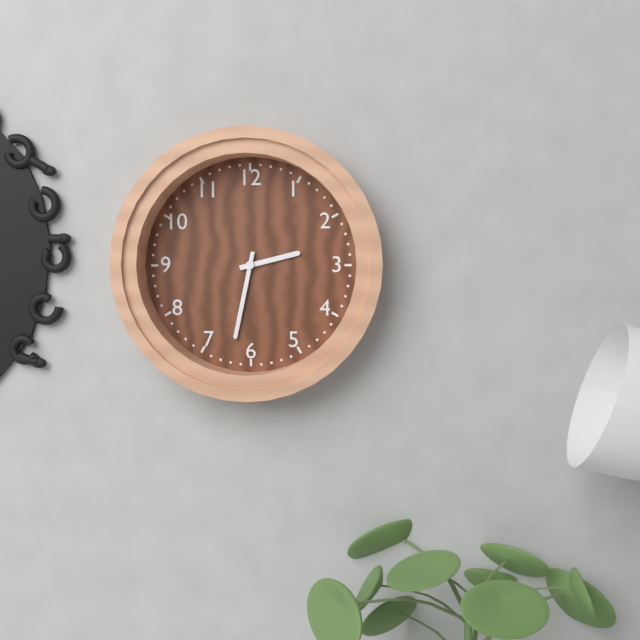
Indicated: **2:32**
